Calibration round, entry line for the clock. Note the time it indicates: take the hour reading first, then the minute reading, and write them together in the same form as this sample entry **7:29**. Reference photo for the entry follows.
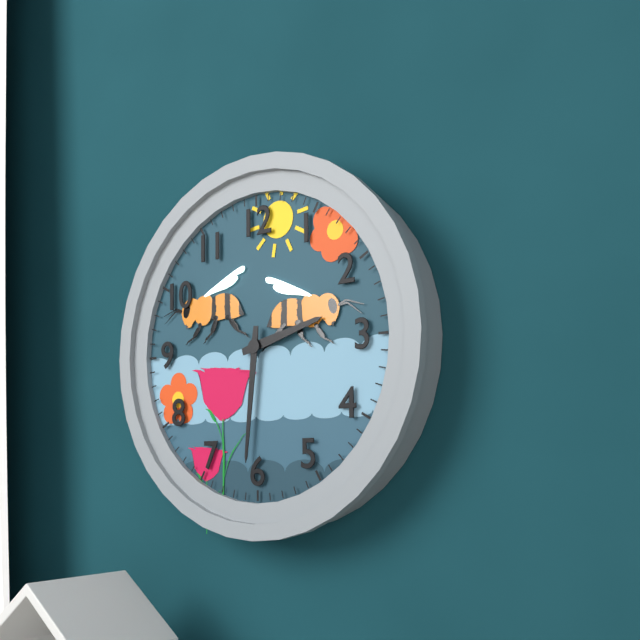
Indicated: **2:31**
